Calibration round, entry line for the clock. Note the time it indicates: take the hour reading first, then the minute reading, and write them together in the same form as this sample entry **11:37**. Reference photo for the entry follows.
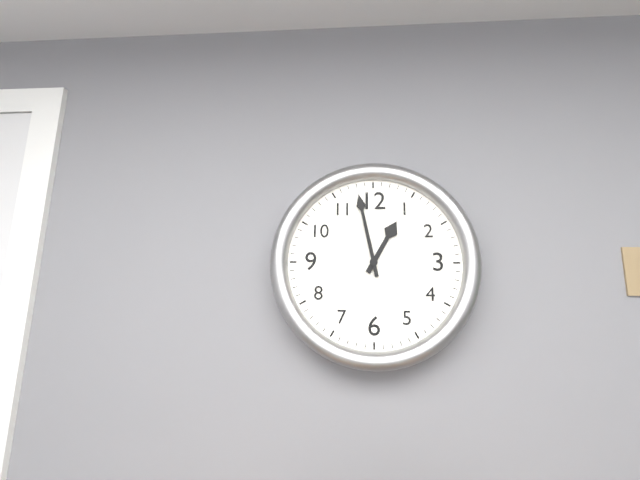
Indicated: **12:58**
